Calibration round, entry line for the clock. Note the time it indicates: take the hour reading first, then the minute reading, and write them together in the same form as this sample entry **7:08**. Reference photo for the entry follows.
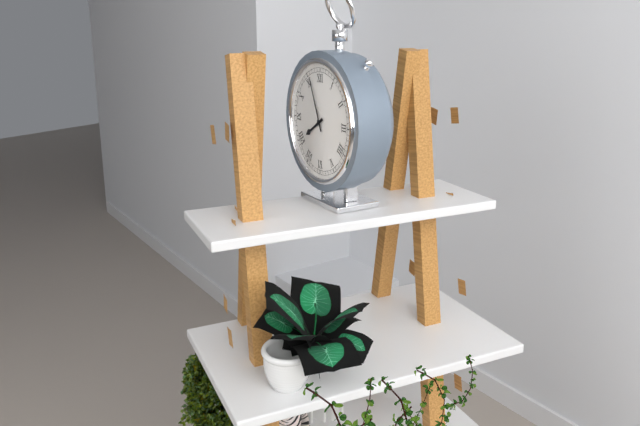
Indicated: **7:56**
